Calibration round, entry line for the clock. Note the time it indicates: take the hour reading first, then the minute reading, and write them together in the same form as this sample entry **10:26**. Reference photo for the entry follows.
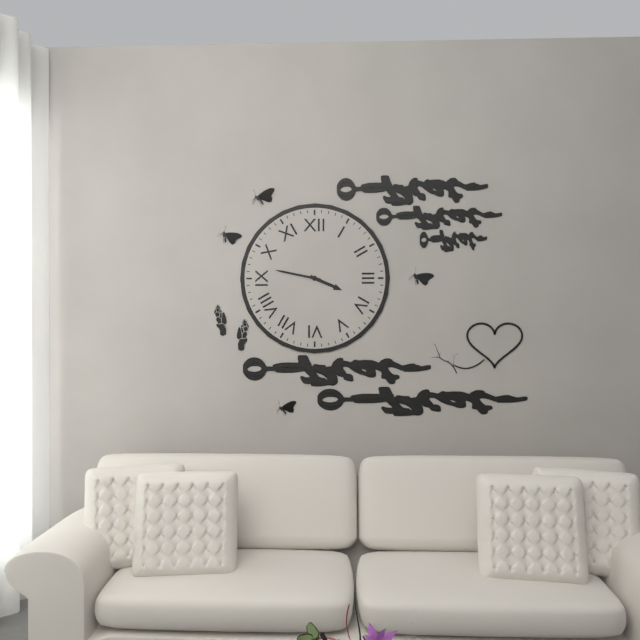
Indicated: **3:47**
